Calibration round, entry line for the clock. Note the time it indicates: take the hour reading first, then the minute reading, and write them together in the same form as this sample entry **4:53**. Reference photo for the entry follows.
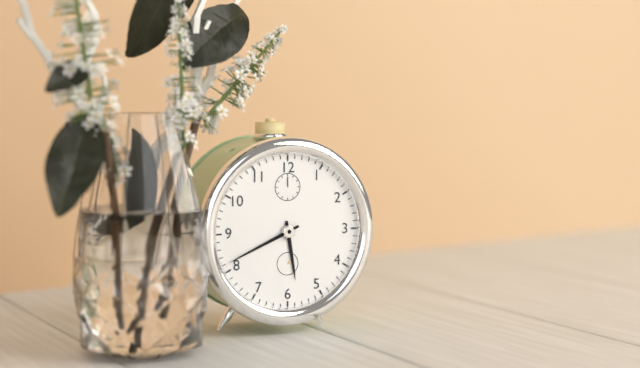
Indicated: **5:41**
